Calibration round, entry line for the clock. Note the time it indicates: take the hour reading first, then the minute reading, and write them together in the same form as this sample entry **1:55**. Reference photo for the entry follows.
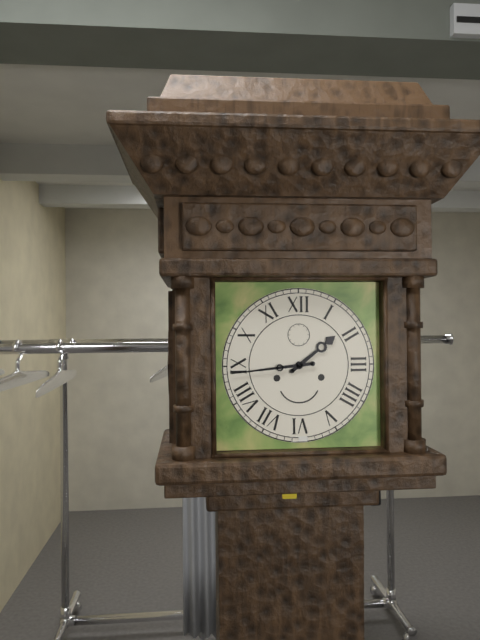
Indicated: **1:44**
